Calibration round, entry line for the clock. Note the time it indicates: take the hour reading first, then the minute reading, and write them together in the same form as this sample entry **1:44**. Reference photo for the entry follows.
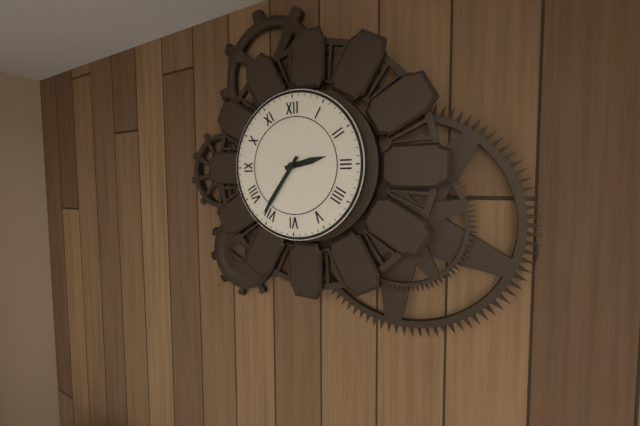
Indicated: **2:36**
